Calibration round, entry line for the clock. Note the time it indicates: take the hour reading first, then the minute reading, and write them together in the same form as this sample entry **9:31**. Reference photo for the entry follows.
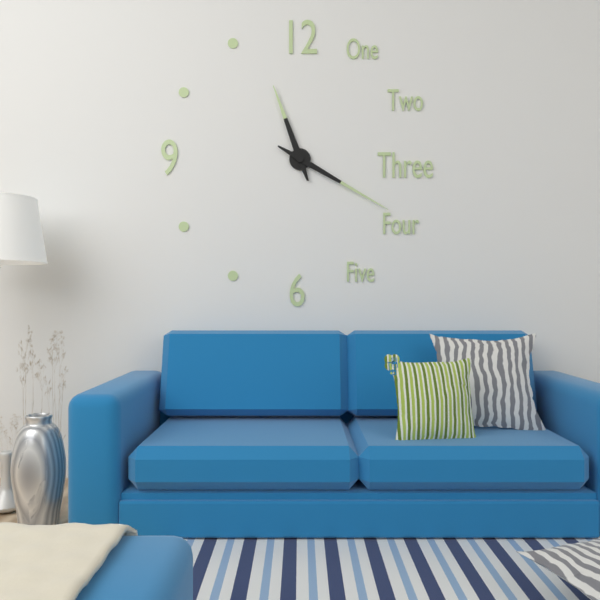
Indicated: **11:20**
